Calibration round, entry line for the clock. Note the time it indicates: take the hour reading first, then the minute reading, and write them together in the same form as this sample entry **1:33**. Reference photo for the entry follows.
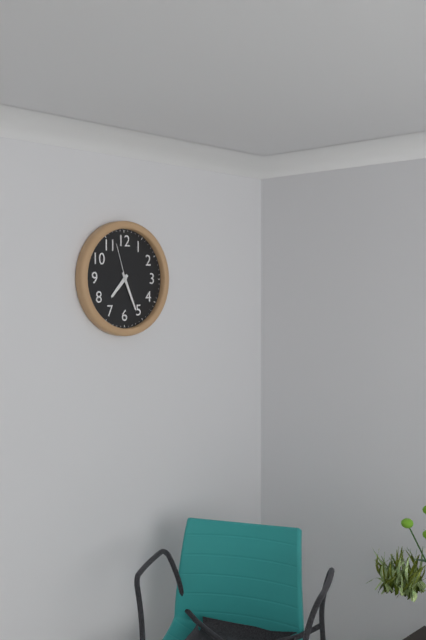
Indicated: **7:26**
